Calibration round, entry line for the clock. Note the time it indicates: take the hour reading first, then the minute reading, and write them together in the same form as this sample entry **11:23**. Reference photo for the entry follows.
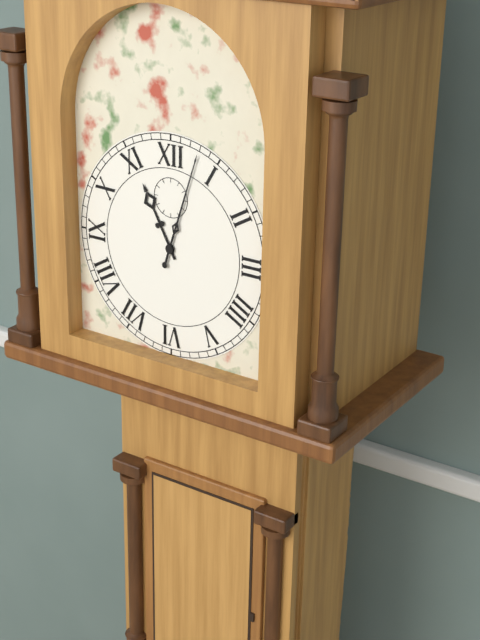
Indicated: **11:03**
